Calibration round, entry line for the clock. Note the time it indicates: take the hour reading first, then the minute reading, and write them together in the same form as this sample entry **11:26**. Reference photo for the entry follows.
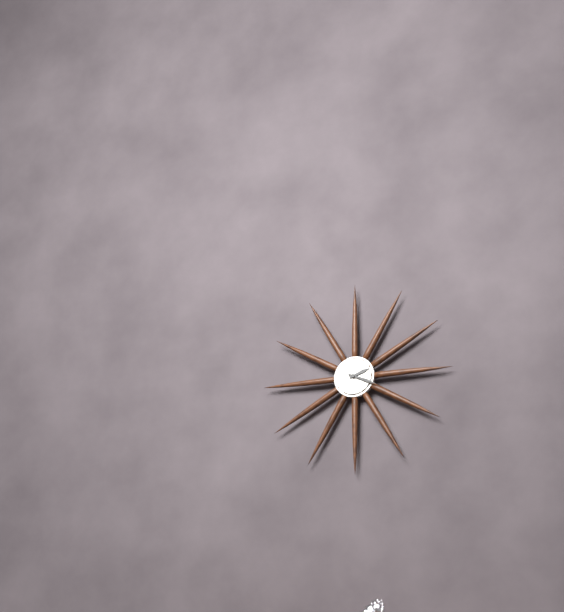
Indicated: **2:19**
